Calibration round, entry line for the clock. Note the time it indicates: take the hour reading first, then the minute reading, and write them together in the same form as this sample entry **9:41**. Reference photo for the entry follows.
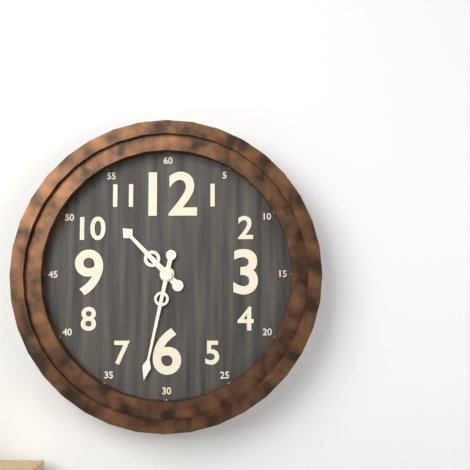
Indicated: **10:32**
